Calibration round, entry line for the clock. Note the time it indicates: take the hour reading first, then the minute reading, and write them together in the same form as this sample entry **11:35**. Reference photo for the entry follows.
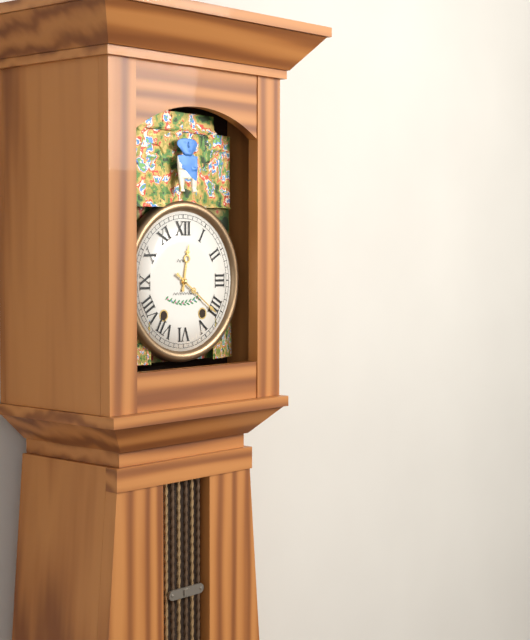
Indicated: **12:21**
